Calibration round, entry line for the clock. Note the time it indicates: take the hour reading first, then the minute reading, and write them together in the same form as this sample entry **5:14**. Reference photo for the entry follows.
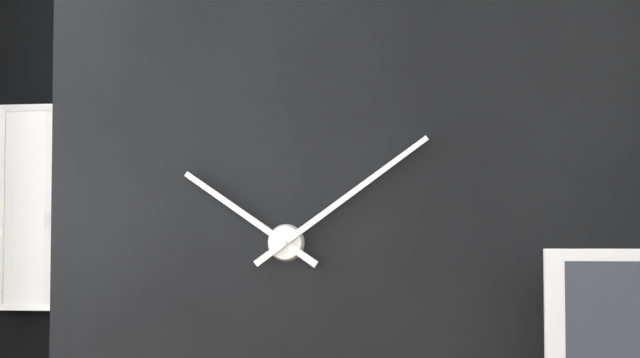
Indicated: **10:09**
